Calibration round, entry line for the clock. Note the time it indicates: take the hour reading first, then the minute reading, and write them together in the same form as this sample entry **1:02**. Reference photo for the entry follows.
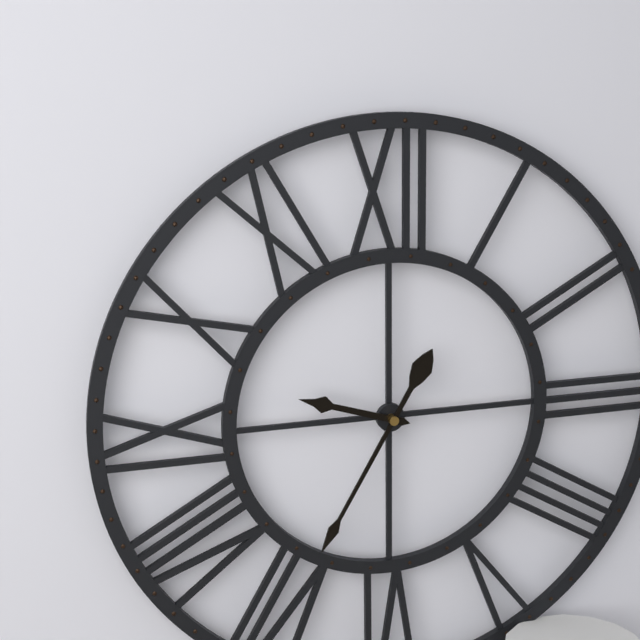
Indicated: **9:35**
